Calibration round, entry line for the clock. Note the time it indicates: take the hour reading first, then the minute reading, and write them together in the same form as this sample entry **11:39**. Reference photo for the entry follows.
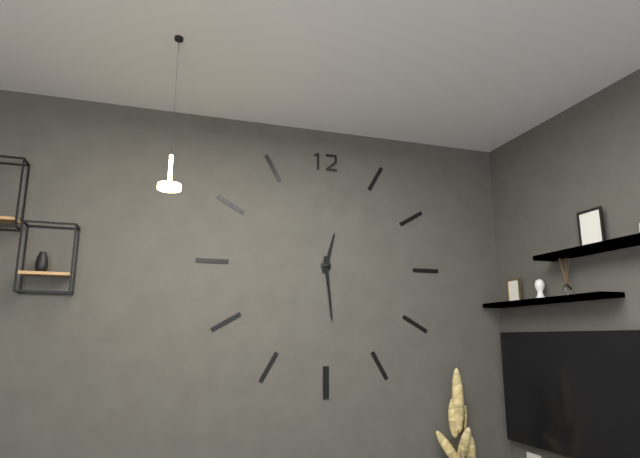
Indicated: **12:29**
